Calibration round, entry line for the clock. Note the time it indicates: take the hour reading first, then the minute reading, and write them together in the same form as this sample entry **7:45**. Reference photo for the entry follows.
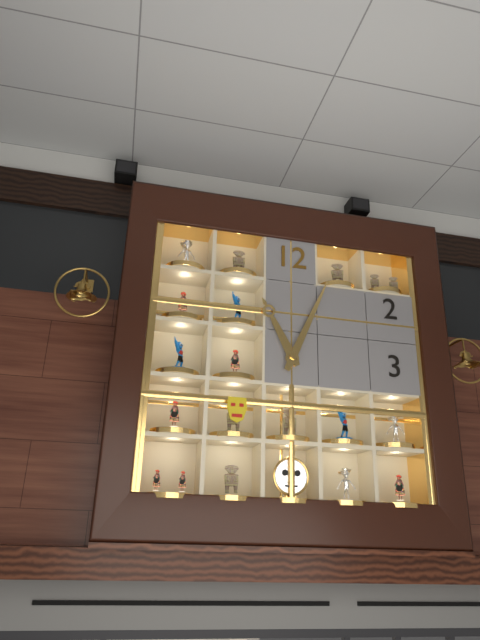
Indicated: **11:04**
